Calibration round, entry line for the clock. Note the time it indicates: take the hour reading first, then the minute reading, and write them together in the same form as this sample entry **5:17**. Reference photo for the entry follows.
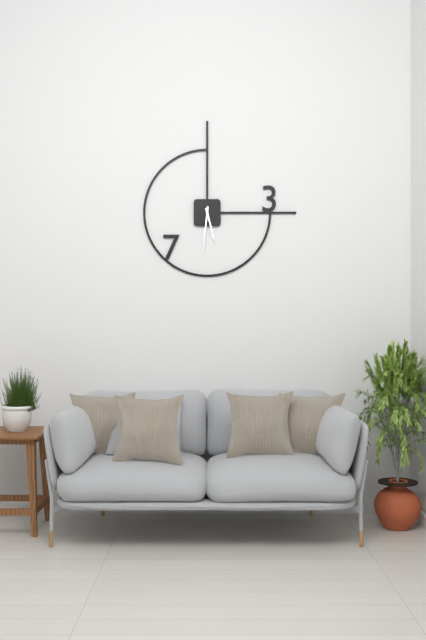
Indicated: **5:31**
